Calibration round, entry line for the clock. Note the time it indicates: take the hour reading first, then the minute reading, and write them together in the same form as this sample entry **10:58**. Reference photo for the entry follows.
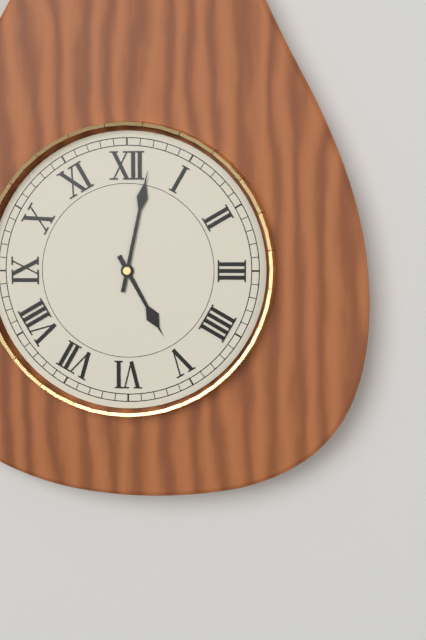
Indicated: **5:02**
